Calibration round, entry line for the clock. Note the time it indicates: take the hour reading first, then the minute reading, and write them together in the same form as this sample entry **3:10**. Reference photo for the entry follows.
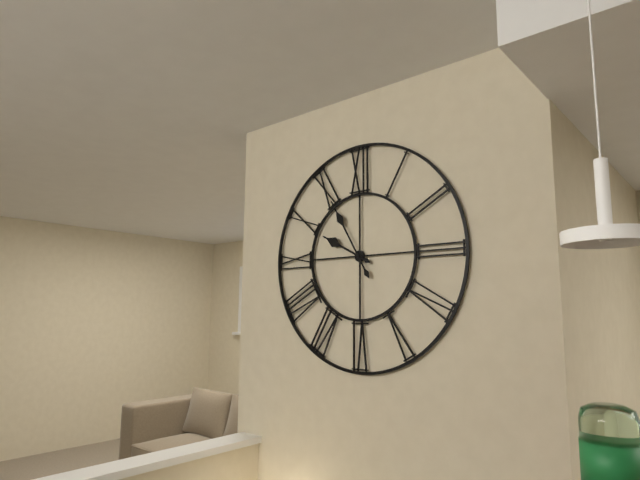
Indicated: **9:55**
